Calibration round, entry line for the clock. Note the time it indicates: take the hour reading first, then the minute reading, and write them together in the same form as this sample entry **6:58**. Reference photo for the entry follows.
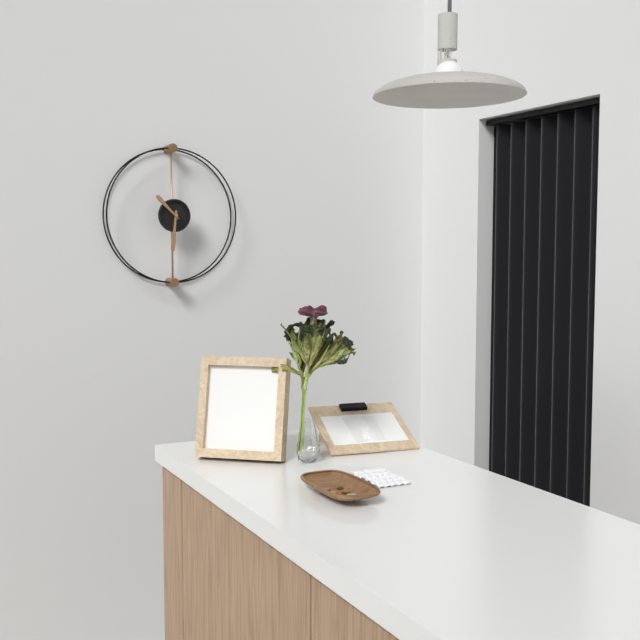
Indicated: **10:31**
